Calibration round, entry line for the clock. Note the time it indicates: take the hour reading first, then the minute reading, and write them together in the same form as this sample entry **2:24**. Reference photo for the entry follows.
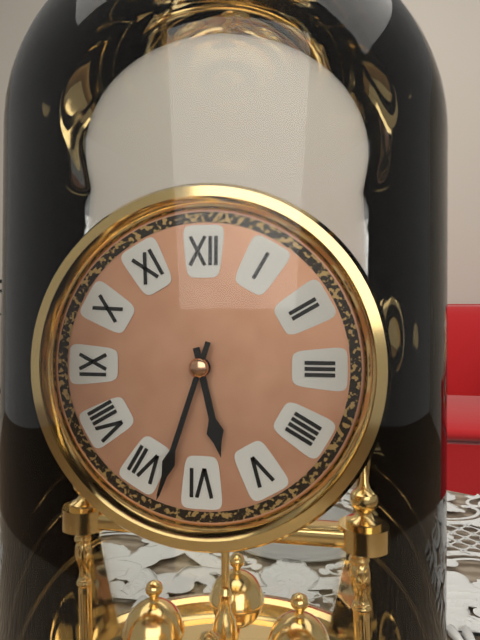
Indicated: **5:33**
